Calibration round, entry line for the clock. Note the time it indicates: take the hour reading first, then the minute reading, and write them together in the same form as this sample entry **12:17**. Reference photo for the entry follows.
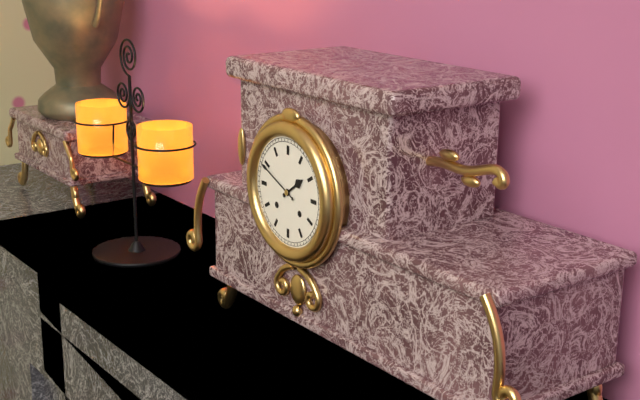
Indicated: **1:49**
